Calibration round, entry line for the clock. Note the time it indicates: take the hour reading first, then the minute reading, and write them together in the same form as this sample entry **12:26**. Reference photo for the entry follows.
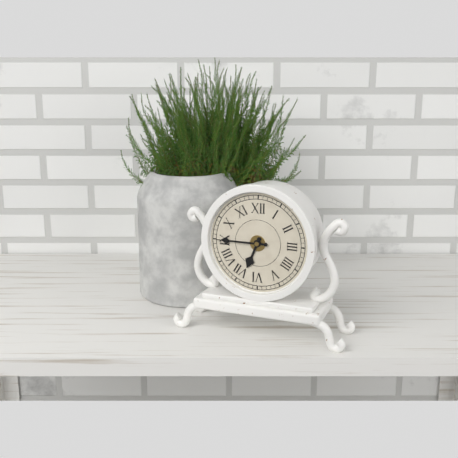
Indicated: **6:45**
